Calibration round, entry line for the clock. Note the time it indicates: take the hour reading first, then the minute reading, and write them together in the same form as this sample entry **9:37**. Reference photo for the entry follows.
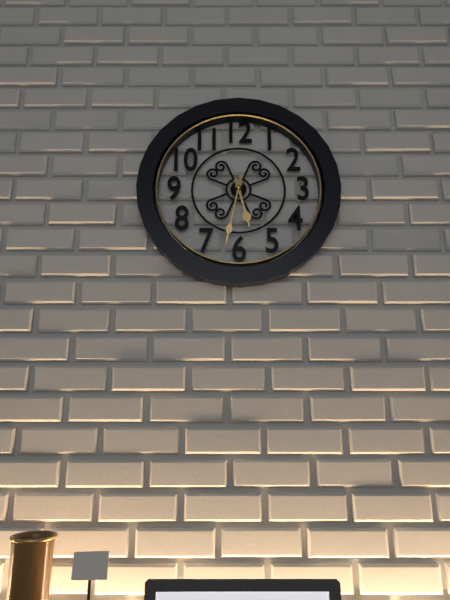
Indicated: **5:32**
